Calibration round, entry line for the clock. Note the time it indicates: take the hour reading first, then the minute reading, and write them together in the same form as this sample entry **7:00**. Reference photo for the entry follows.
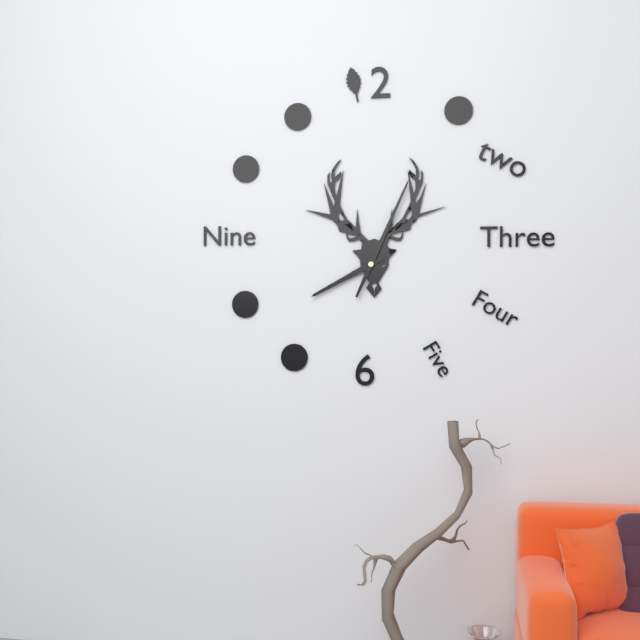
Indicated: **8:04**
